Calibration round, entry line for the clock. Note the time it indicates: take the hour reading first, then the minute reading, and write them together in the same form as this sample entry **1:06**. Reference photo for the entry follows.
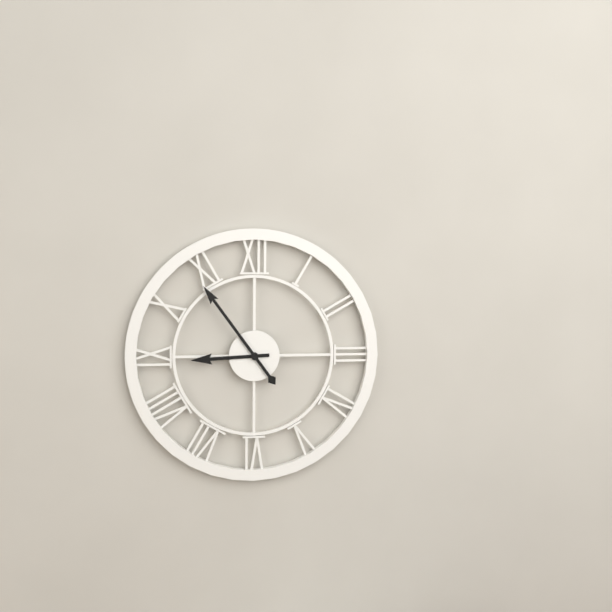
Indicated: **8:54**
